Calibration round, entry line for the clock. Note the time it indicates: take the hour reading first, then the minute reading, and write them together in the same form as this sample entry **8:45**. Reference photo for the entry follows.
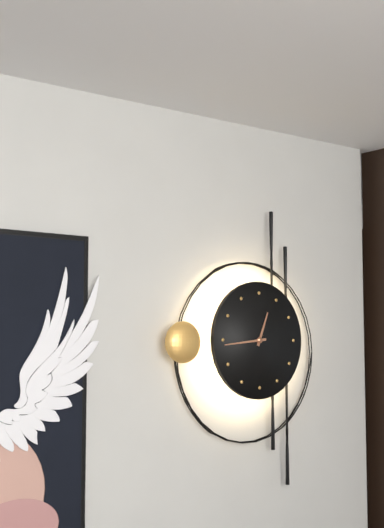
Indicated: **12:44**
